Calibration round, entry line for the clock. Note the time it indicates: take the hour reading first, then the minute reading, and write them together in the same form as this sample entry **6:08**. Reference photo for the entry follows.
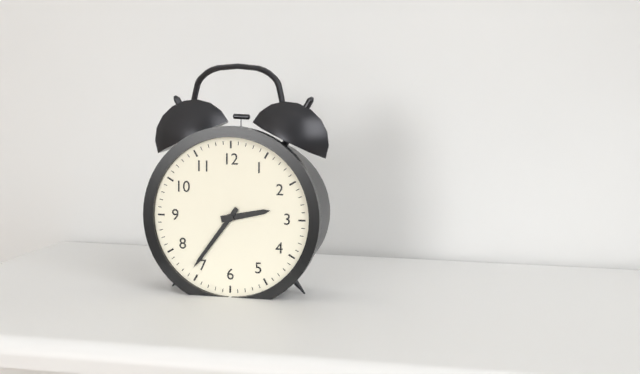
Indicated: **2:36**
